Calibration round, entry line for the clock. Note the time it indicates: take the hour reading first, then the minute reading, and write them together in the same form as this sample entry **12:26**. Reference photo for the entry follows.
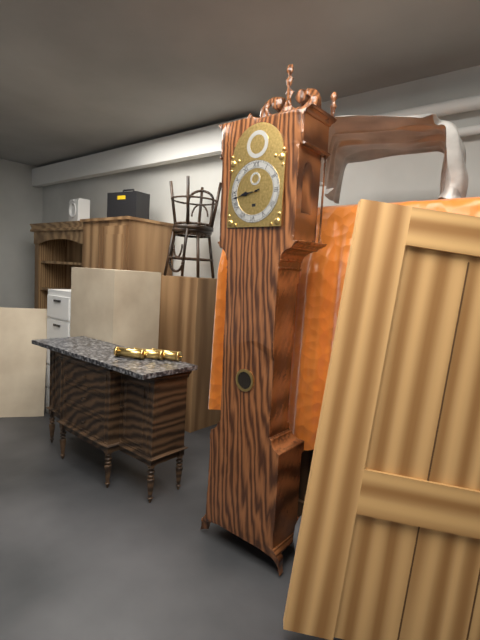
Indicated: **8:43**
